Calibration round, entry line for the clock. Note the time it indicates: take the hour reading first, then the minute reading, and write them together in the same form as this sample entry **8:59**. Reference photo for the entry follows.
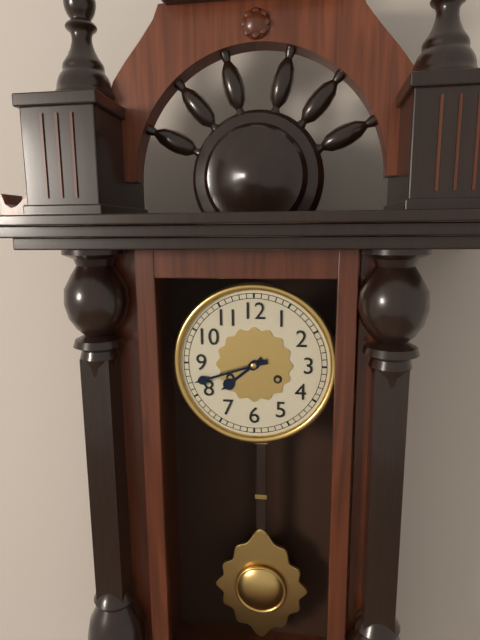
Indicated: **7:42**
